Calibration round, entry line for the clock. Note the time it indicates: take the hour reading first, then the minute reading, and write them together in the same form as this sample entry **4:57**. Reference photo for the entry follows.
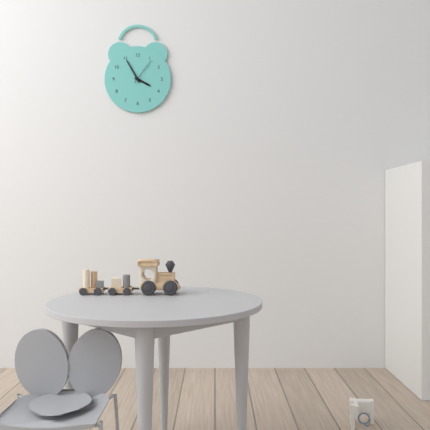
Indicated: **3:55**
